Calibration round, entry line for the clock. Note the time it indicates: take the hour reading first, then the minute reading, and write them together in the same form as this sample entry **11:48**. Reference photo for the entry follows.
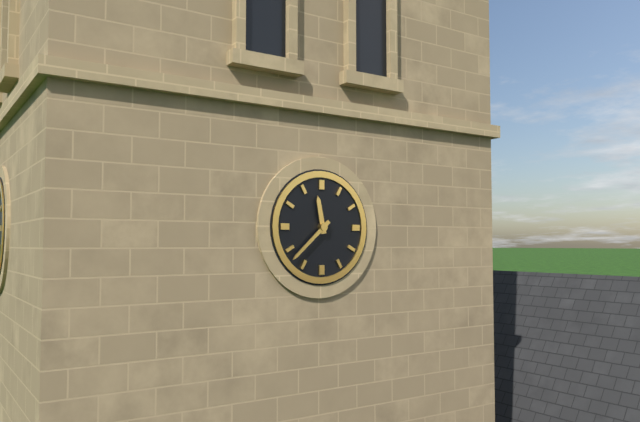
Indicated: **11:38**
